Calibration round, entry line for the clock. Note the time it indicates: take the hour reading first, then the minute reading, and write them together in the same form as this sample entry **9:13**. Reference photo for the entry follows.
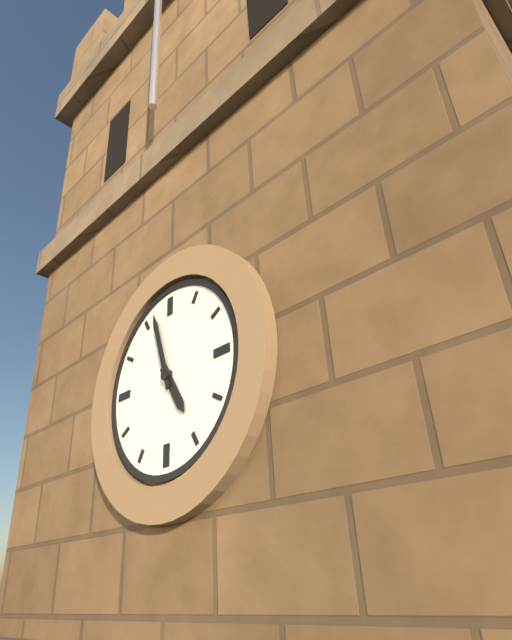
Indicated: **4:57**
